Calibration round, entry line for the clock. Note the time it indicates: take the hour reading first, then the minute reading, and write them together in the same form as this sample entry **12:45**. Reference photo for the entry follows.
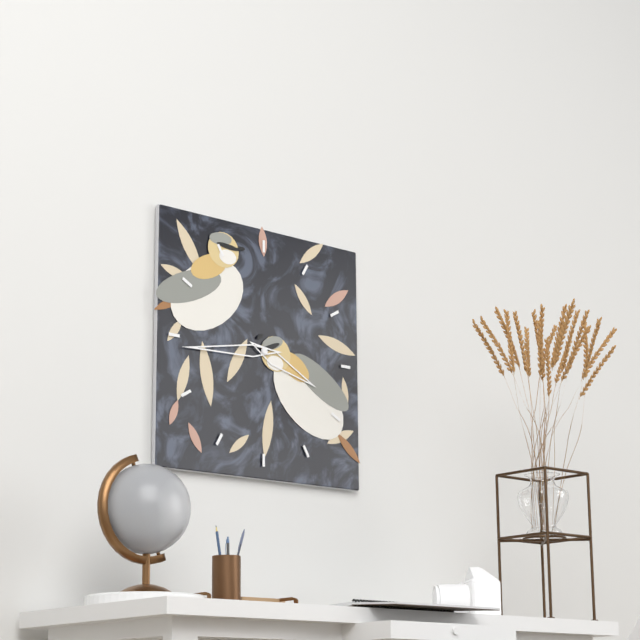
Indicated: **3:44**
